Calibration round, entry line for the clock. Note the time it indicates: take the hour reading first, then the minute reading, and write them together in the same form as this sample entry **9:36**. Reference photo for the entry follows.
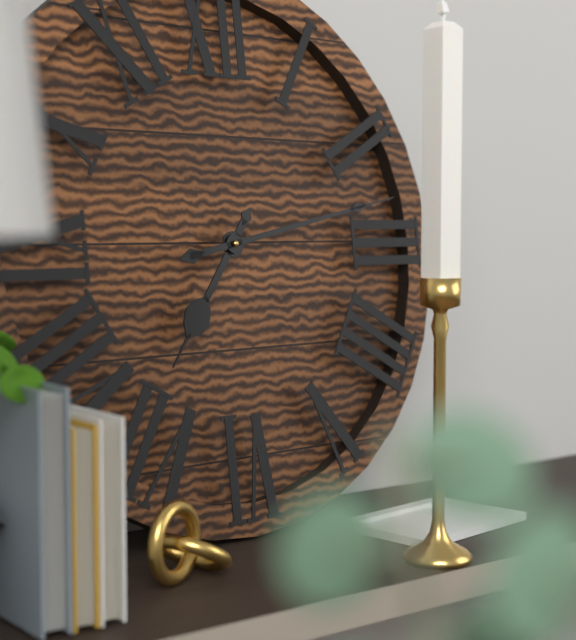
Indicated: **7:13**
